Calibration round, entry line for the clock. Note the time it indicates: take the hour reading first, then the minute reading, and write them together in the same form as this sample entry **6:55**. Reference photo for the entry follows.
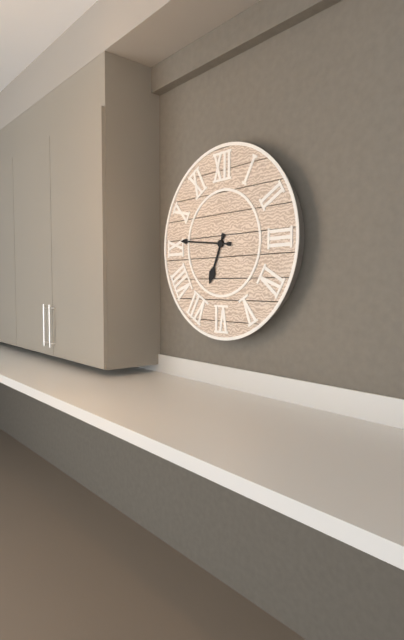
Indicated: **6:46**
